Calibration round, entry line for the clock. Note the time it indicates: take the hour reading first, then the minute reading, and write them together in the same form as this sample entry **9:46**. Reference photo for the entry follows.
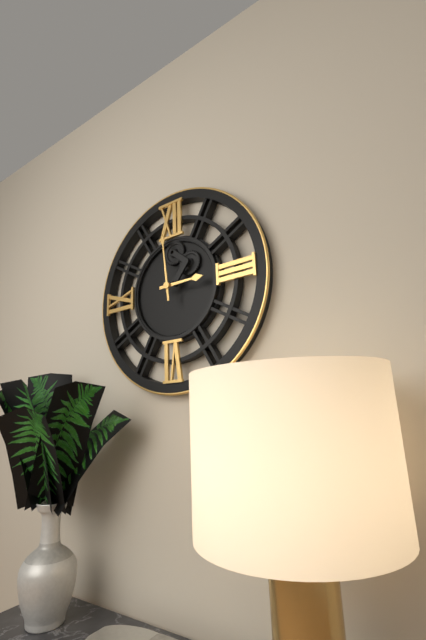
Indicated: **2:59**
